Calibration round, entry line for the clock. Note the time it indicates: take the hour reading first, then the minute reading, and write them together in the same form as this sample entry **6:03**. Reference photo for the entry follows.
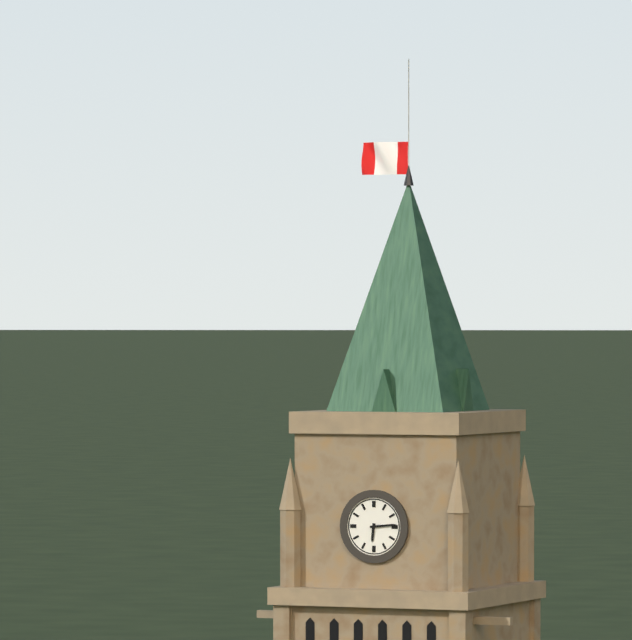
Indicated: **6:14**
